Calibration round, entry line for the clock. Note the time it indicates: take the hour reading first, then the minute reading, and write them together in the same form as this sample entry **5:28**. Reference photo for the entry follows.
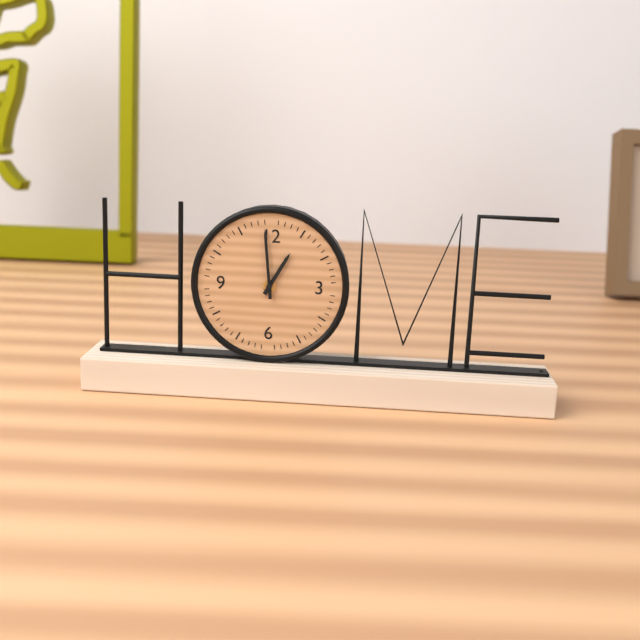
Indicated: **12:59**
